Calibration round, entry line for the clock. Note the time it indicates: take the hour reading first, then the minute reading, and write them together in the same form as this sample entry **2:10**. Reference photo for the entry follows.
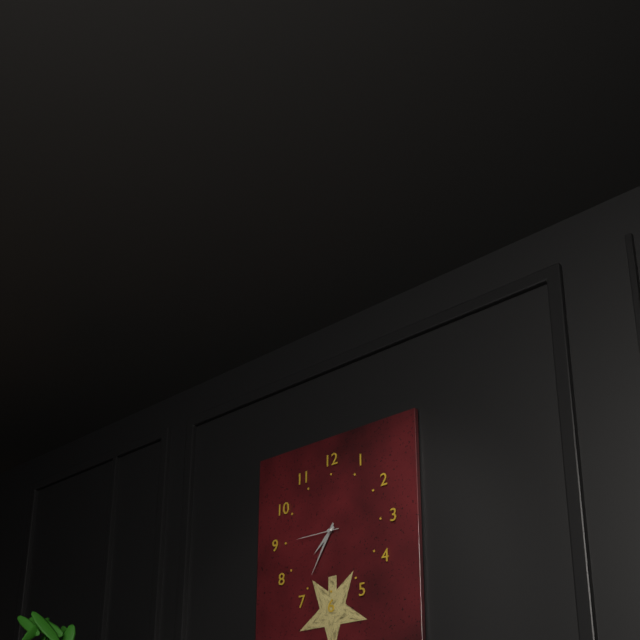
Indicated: **7:35**
